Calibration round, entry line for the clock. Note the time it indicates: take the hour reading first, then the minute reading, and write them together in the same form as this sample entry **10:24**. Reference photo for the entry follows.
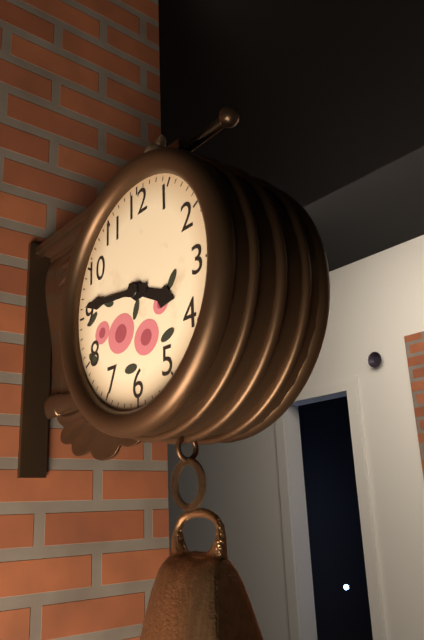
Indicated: **3:46**
